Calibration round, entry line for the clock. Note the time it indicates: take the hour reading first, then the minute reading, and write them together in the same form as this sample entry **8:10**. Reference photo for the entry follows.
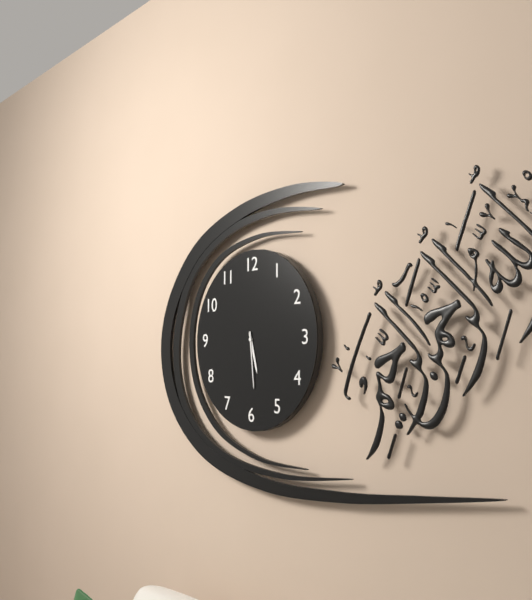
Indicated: **5:29**
